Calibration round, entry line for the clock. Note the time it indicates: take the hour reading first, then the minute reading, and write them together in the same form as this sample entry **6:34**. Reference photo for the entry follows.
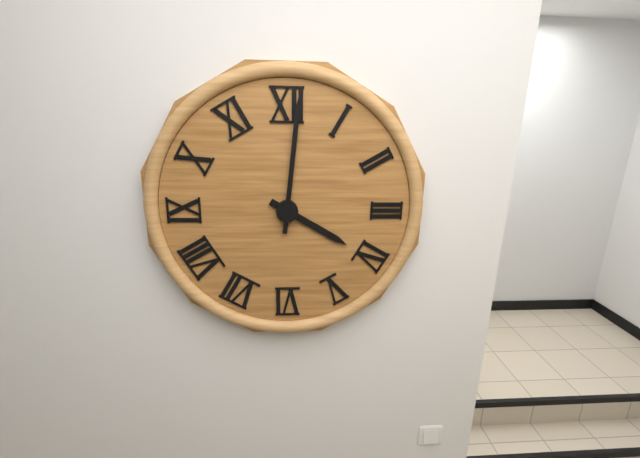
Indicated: **4:01**
